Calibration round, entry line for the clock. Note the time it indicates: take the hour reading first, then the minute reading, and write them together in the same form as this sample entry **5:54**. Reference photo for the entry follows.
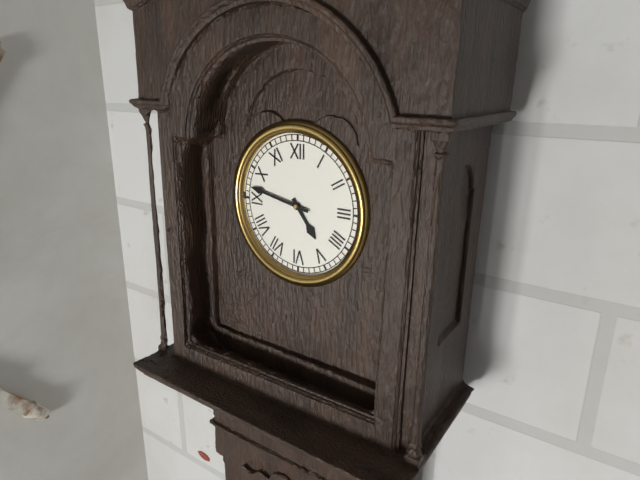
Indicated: **4:47**
